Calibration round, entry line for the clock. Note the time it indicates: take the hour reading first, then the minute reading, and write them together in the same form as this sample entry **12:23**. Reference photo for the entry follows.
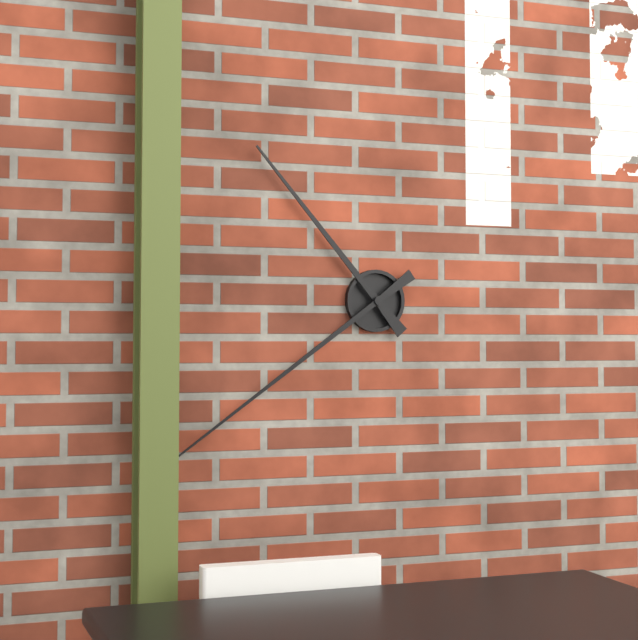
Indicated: **10:39**
